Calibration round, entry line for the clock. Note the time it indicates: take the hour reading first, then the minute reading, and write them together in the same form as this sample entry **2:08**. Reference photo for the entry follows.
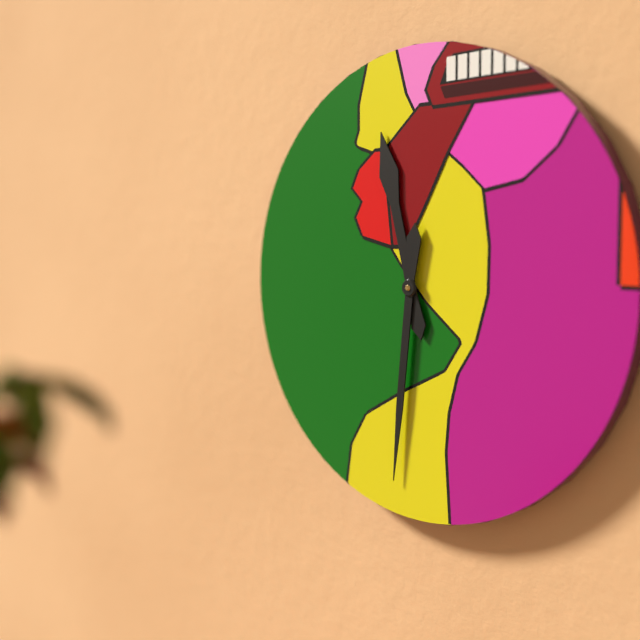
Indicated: **11:31**
